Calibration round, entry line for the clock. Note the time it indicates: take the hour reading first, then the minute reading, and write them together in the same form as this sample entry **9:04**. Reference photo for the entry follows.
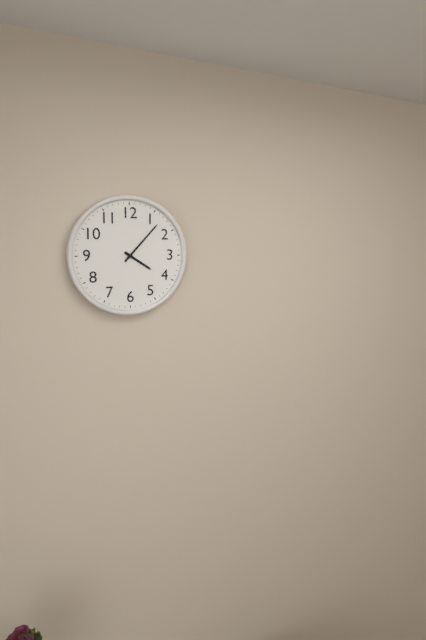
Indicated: **4:07**
